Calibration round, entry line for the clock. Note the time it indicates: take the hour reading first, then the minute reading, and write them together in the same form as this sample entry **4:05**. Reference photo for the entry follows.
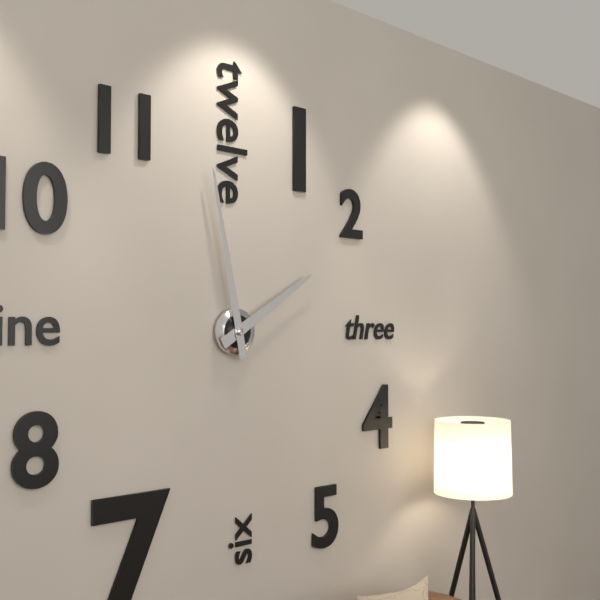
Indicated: **1:58**
